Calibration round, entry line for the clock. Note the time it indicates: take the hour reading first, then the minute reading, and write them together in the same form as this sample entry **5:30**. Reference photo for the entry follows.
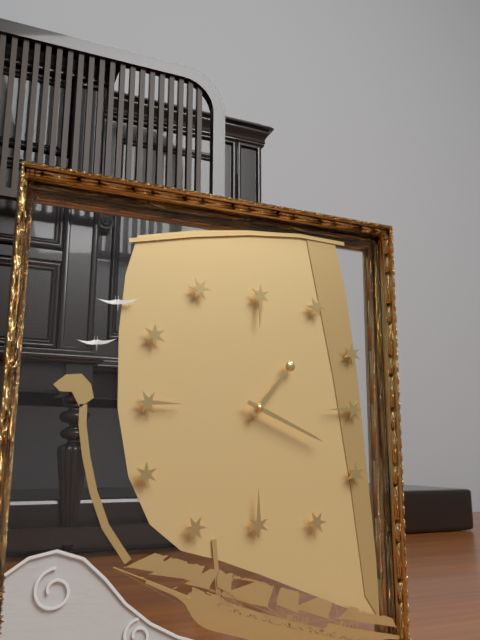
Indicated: **1:19**
